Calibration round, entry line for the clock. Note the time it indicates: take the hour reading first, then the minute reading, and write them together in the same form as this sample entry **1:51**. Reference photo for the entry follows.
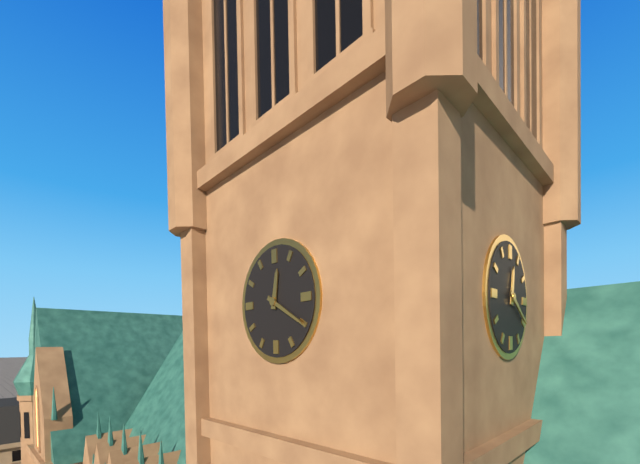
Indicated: **12:20**
